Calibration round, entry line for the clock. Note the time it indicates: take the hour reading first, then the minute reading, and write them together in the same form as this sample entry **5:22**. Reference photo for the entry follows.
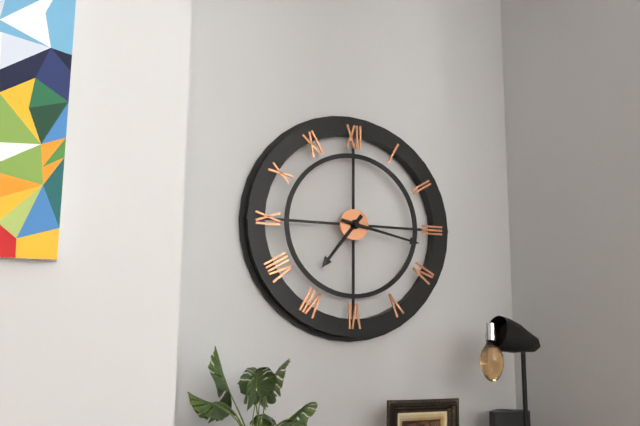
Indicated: **7:17**
